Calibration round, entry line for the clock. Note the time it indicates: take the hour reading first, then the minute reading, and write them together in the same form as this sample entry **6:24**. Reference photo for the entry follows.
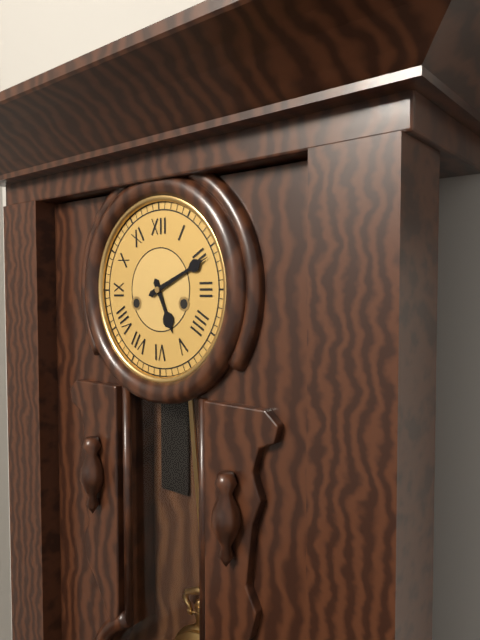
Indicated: **5:11**
